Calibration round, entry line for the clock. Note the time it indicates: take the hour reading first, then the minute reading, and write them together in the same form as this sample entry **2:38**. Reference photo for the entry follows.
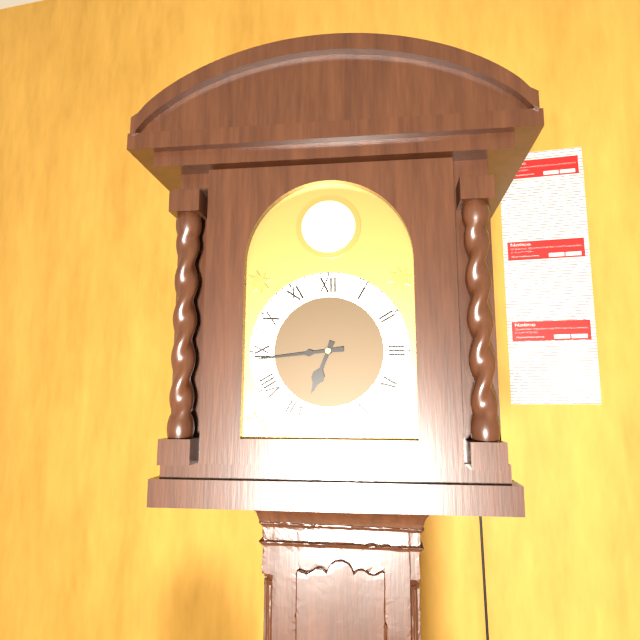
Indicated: **6:44**
